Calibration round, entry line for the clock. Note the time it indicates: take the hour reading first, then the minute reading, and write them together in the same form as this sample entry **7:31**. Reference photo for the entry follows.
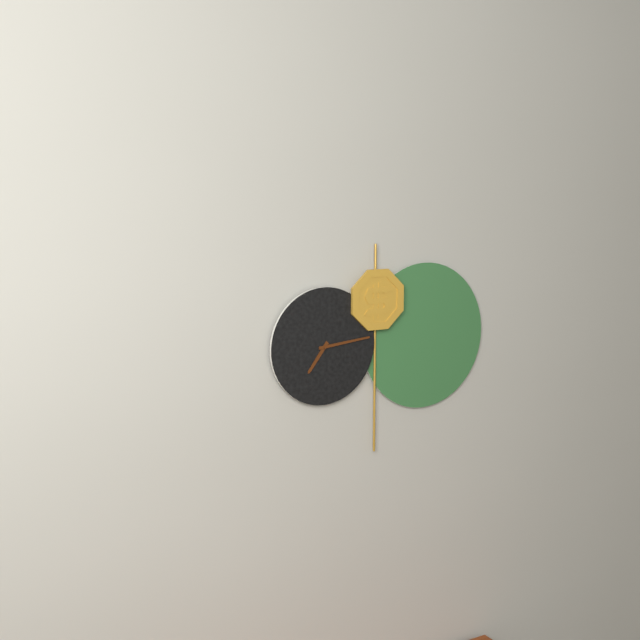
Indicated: **7:14**
